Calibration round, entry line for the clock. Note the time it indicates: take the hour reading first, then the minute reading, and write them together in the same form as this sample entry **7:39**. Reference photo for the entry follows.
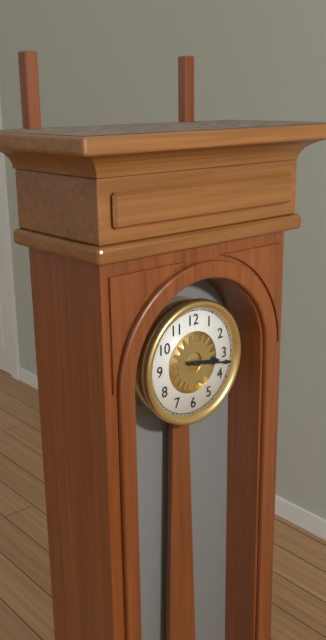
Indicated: **3:17**
